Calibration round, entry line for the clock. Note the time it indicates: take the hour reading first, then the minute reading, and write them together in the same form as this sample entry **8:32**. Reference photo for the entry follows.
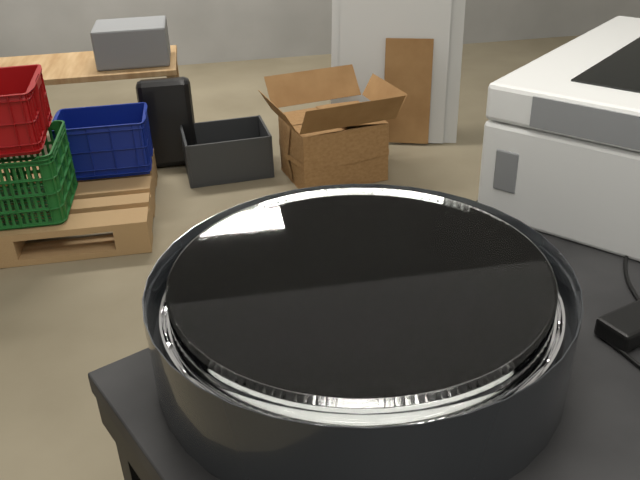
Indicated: **1:29**
